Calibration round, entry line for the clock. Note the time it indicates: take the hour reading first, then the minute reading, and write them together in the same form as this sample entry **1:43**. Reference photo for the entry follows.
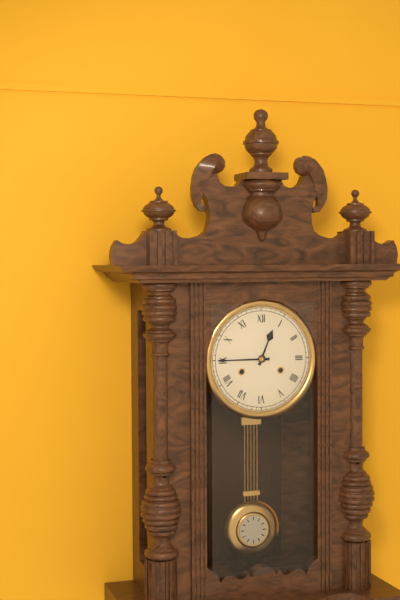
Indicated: **12:45**
